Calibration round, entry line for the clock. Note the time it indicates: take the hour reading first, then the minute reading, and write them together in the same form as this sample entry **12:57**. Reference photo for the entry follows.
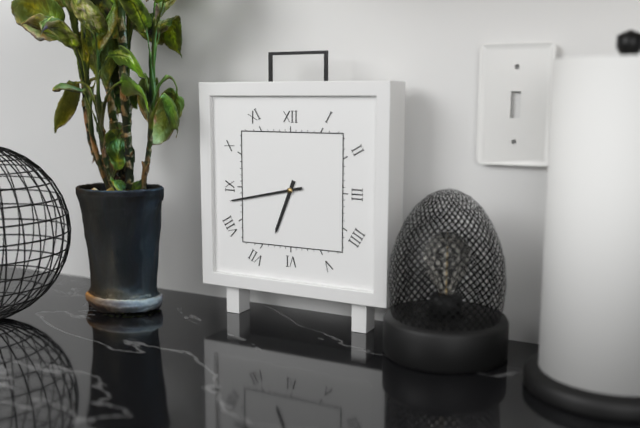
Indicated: **6:43**
